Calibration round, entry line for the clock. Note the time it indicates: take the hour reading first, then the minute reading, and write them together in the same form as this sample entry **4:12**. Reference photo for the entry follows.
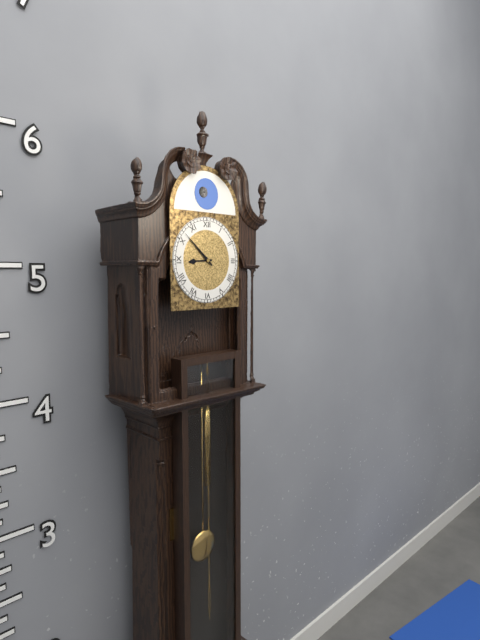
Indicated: **8:52**
